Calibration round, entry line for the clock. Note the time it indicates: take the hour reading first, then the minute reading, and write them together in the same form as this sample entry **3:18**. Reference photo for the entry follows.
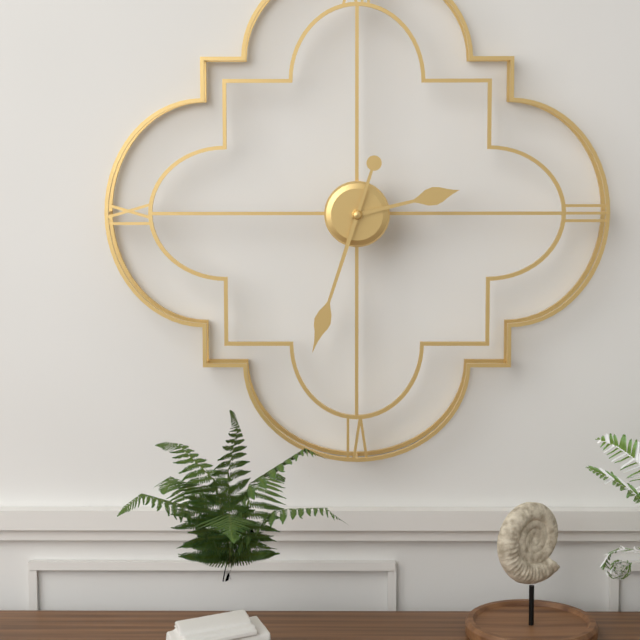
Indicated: **2:33**
